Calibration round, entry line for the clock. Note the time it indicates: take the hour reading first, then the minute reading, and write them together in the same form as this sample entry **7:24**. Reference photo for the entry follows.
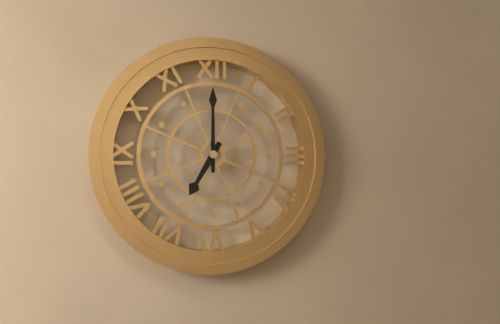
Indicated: **7:00**
